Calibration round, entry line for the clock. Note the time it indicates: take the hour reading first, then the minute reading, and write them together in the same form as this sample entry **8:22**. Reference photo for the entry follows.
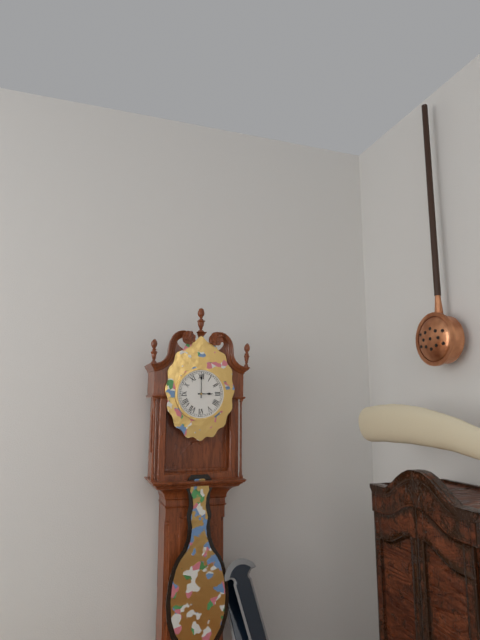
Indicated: **3:00**
